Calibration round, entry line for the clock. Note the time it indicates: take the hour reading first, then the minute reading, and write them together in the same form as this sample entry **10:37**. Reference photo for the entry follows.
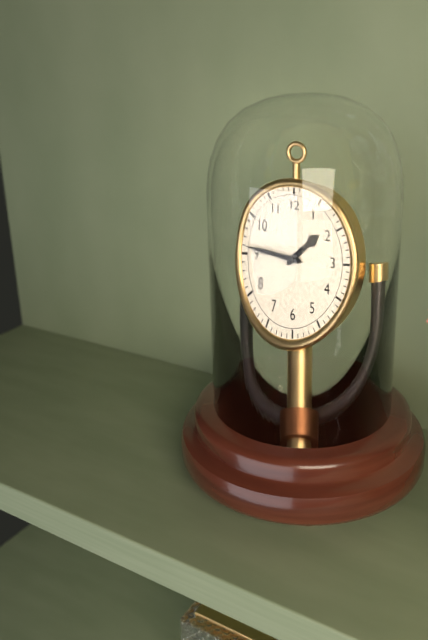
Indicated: **1:46**
